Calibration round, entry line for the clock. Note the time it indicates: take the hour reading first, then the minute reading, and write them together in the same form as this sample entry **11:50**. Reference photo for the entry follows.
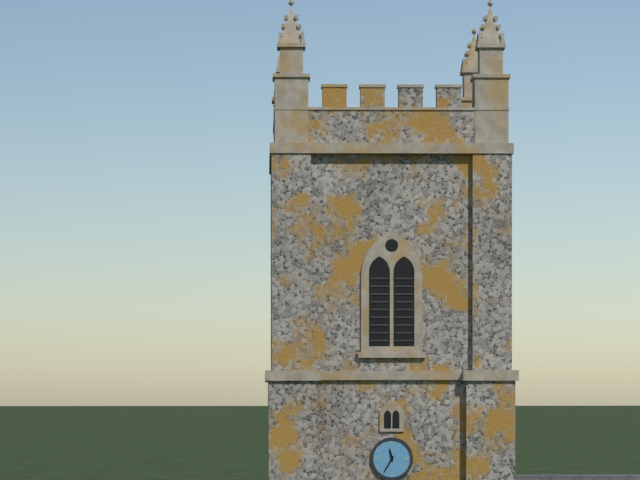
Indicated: **11:35**
